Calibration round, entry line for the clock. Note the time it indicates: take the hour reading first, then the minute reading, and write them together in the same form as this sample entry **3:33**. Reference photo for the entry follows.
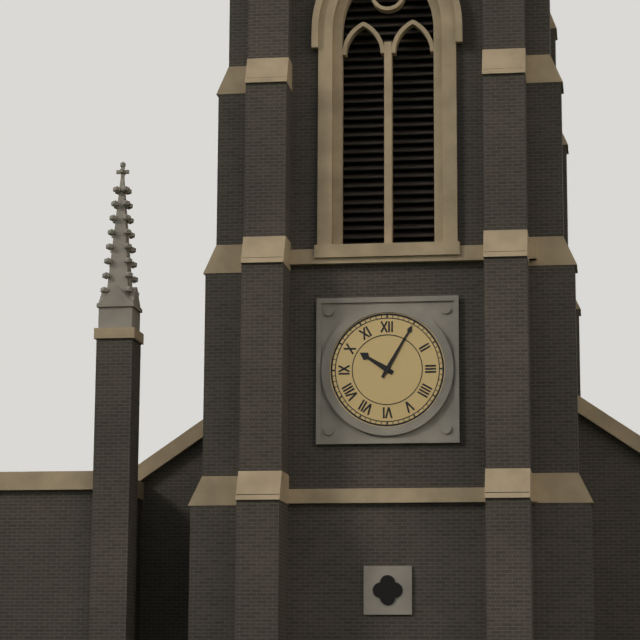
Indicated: **10:05**
